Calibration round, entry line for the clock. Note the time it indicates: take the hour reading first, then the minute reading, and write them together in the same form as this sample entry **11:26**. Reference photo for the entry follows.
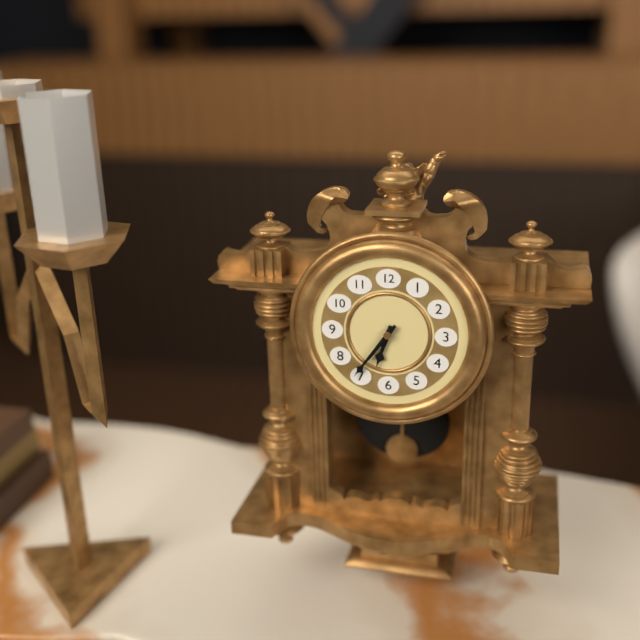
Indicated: **6:36**
